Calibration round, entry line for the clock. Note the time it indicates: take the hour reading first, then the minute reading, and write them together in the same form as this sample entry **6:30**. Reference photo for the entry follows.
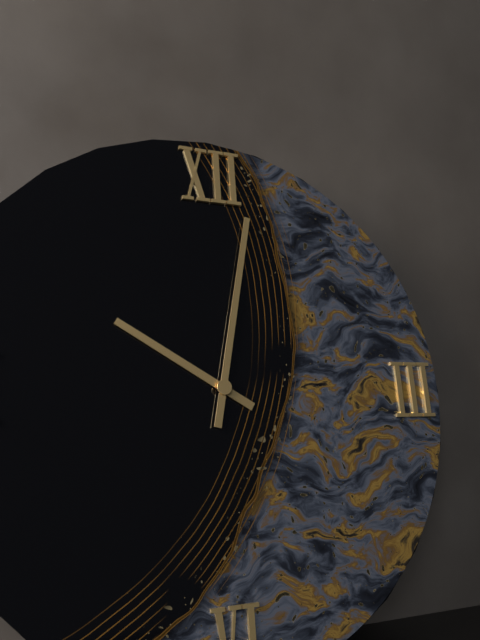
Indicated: **10:02**
